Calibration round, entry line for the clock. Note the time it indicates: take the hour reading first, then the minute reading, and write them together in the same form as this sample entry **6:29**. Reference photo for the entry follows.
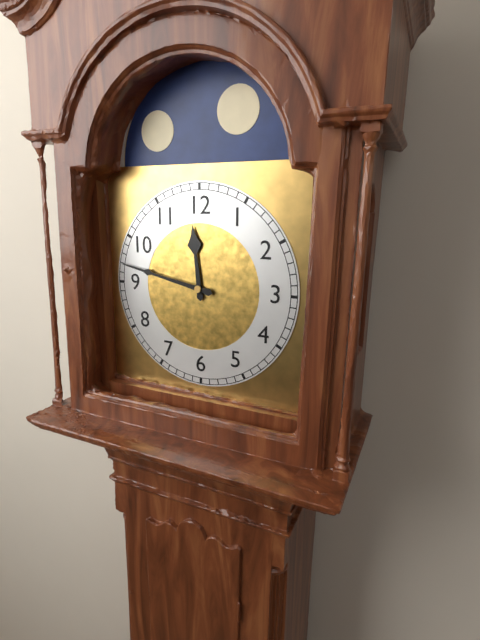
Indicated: **11:47**
